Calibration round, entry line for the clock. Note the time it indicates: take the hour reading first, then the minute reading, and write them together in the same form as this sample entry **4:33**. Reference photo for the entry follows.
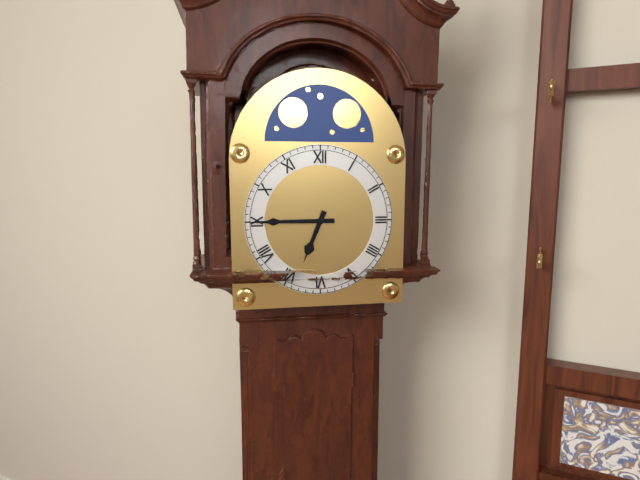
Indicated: **6:45**
